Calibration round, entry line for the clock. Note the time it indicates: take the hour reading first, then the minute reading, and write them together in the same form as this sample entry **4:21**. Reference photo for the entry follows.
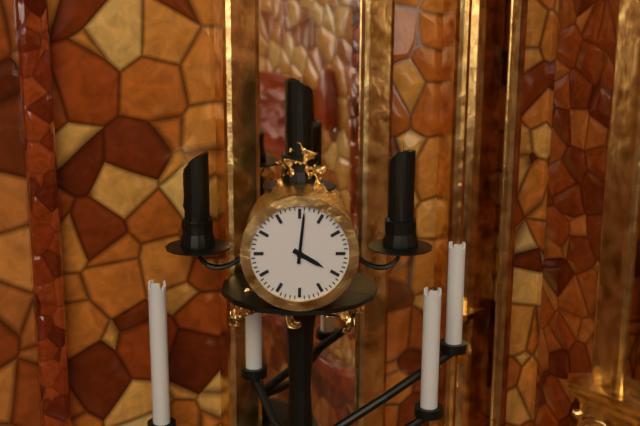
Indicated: **4:01**
